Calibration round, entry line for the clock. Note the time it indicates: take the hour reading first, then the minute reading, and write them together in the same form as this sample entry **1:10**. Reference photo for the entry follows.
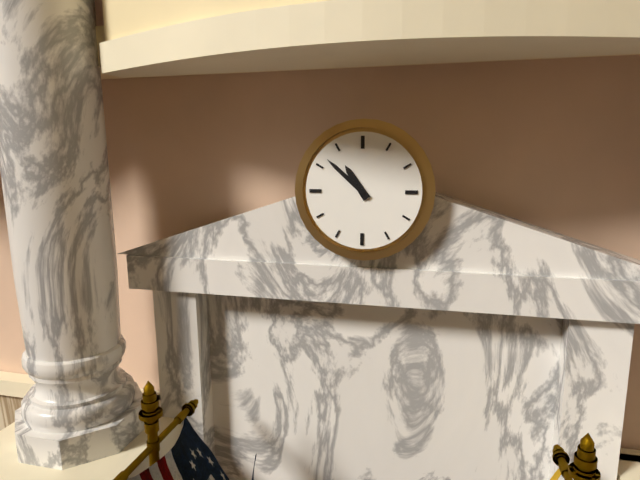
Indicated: **10:52**
